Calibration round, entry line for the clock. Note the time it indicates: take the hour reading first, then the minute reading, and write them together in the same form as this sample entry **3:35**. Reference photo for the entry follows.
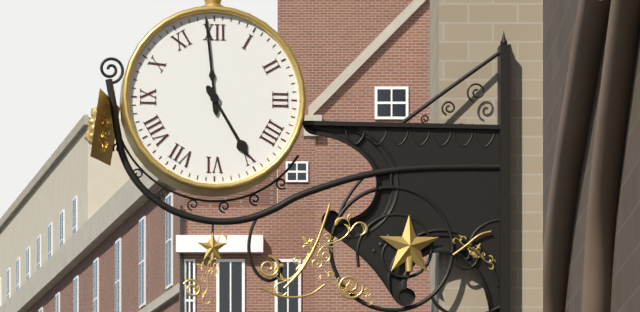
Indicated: **4:59**
